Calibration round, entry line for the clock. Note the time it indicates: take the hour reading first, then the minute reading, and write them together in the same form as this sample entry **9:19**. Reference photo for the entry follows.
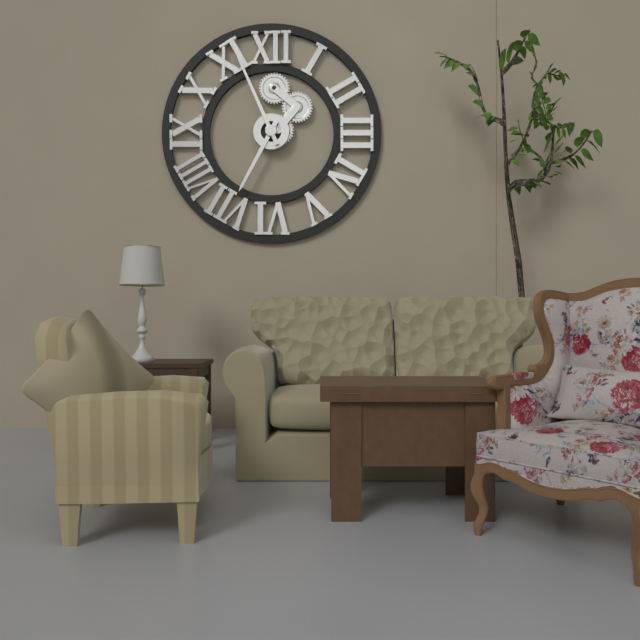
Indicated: **6:56**
